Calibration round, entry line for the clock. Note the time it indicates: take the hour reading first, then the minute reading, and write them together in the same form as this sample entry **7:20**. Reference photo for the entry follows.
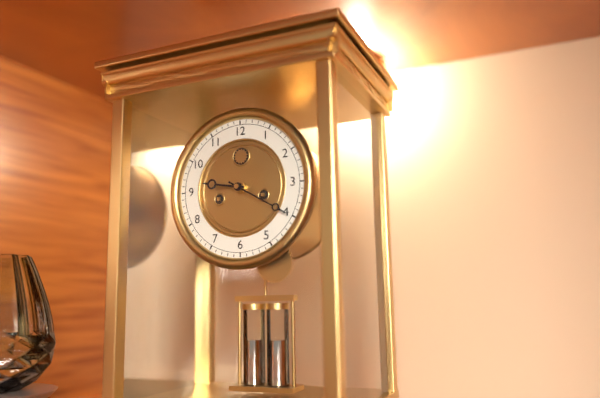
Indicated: **9:20**
